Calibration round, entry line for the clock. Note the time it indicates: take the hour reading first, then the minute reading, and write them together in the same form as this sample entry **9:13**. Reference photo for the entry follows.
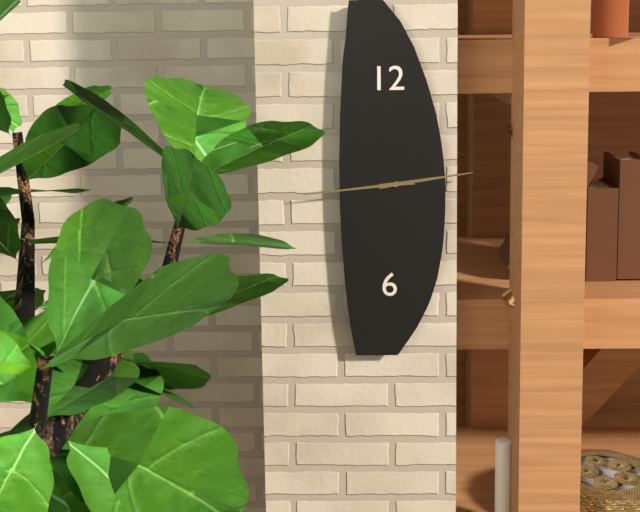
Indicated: **2:44**
